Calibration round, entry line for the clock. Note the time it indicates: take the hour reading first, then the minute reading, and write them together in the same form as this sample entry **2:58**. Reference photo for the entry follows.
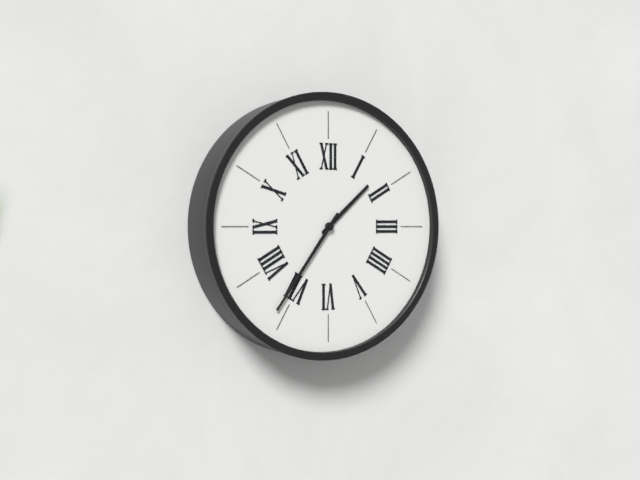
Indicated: **1:36**
